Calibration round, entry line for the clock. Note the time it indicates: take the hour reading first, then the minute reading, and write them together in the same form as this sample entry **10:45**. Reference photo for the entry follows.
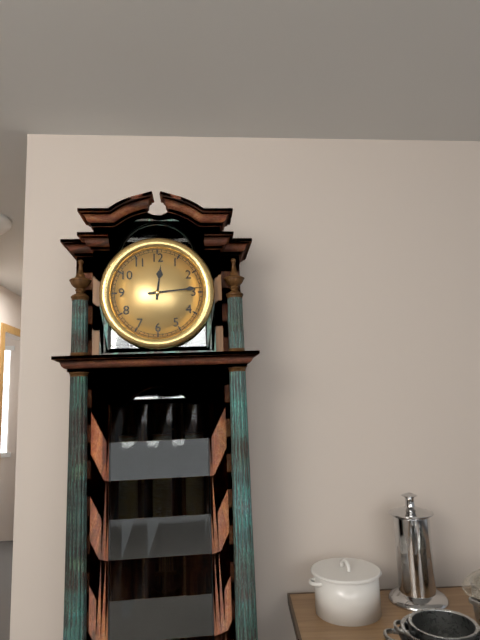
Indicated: **12:14**
